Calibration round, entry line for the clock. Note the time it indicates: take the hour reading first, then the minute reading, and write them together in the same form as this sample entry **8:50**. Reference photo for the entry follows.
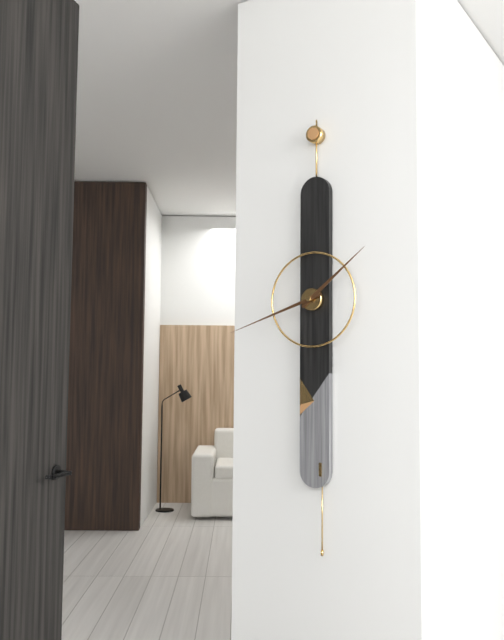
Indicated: **1:42**
